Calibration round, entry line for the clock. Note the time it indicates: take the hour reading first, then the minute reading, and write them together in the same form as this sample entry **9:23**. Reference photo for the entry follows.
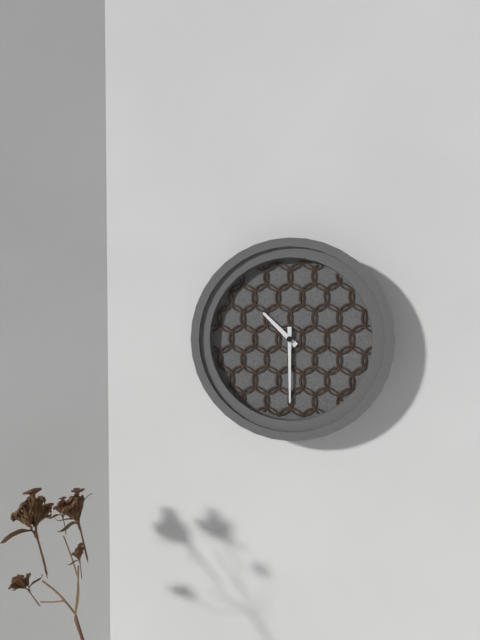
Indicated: **10:30**
